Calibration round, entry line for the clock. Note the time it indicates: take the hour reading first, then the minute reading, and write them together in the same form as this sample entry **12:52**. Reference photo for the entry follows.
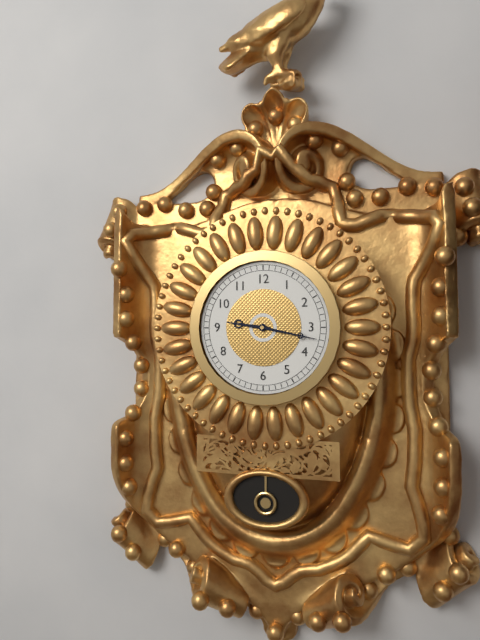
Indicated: **9:17**
